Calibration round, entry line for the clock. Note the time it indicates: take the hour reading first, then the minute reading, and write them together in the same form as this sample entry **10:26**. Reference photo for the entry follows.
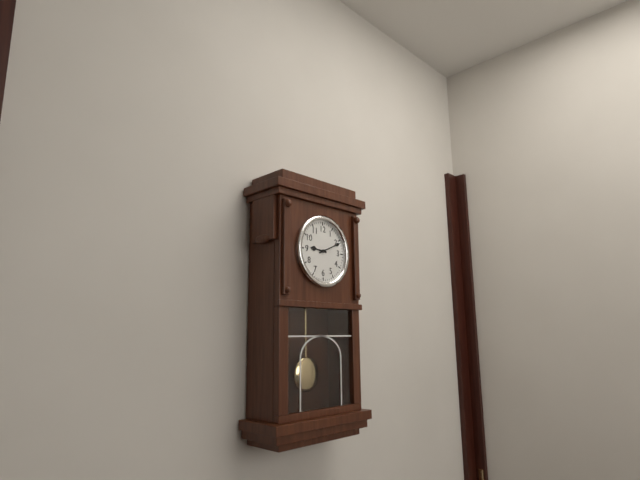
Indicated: **9:11**
